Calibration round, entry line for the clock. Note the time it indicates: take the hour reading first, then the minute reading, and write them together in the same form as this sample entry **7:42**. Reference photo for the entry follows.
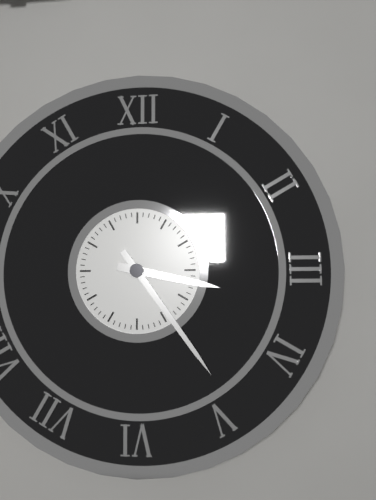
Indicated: **3:24**
